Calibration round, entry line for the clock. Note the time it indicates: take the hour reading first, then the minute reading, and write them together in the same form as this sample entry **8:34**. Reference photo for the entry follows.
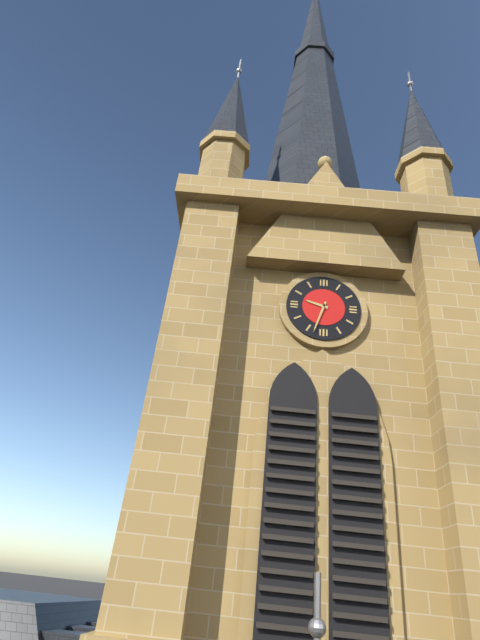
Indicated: **9:33**
